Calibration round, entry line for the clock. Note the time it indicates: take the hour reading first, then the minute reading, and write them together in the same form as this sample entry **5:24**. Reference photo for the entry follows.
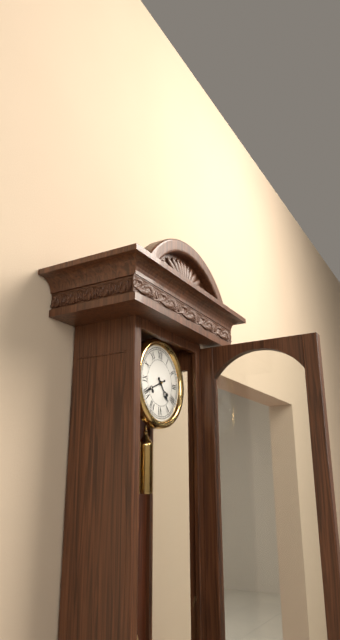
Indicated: **4:41**
